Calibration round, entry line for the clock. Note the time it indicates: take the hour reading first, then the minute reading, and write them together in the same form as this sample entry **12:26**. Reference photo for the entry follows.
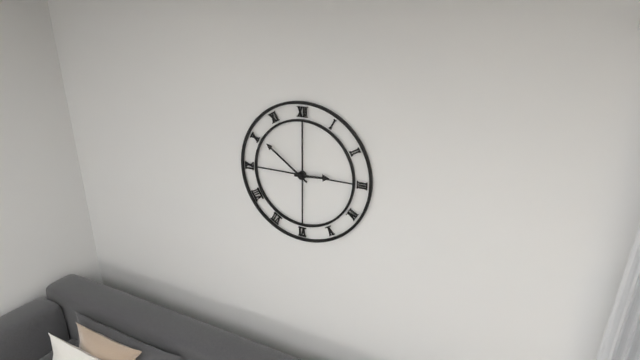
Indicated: **2:51**
